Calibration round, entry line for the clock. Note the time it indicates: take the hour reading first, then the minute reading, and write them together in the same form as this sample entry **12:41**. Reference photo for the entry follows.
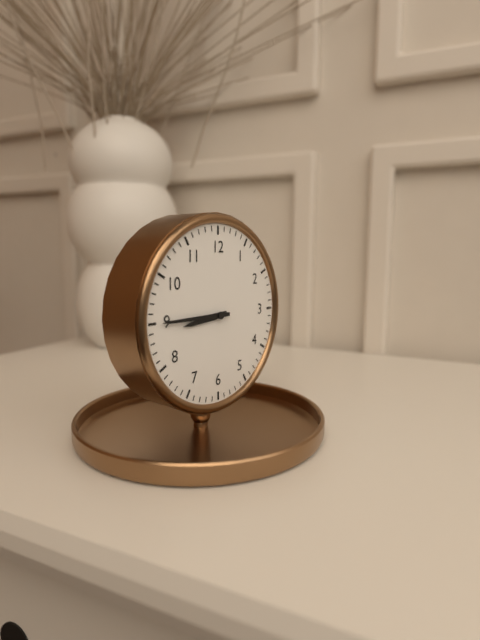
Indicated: **8:45**
